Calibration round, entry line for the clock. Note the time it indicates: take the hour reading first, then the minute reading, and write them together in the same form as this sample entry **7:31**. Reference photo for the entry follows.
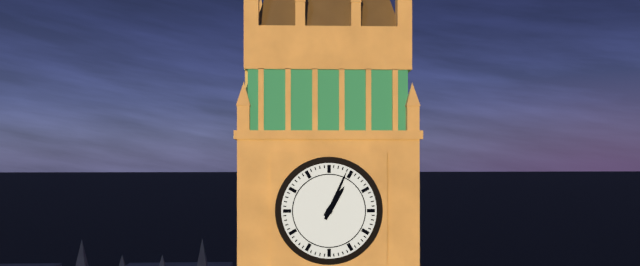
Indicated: **1:04**
